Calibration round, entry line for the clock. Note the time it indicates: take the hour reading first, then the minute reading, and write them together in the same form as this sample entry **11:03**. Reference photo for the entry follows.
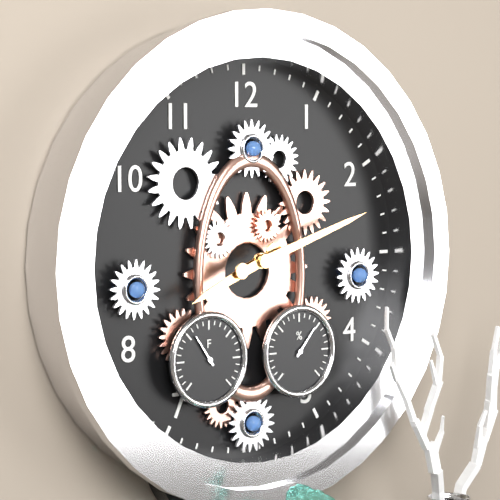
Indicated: **8:12**
